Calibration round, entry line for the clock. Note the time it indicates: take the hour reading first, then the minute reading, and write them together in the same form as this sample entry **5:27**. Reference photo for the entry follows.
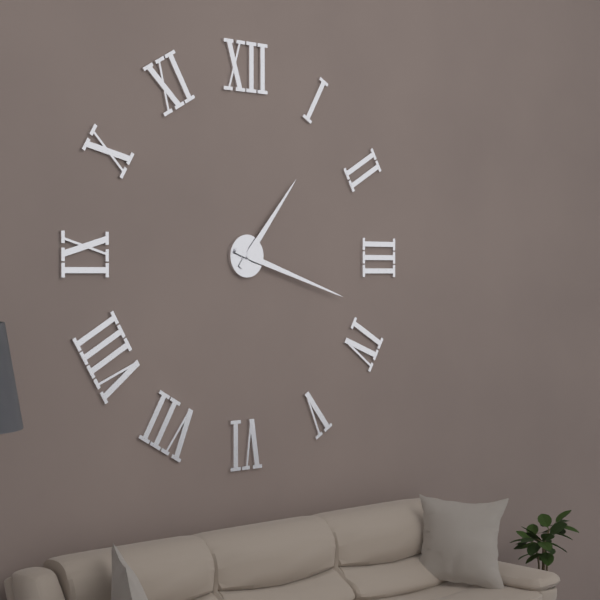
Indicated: **1:18**
